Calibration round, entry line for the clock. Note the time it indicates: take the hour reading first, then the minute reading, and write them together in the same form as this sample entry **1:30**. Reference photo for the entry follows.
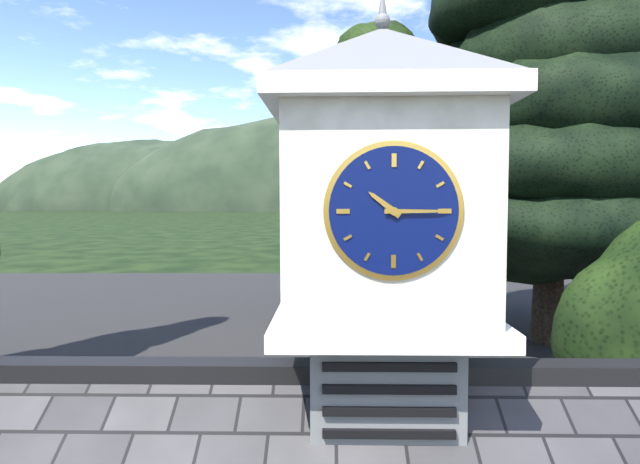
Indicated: **10:15**
